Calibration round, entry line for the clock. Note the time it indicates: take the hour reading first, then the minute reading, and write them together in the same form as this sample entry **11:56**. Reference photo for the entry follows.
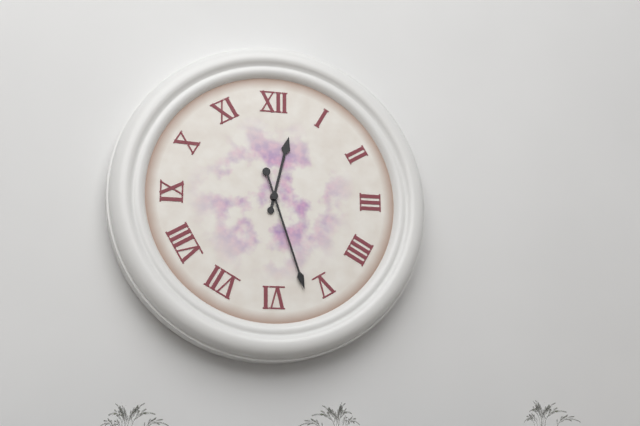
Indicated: **12:27**
